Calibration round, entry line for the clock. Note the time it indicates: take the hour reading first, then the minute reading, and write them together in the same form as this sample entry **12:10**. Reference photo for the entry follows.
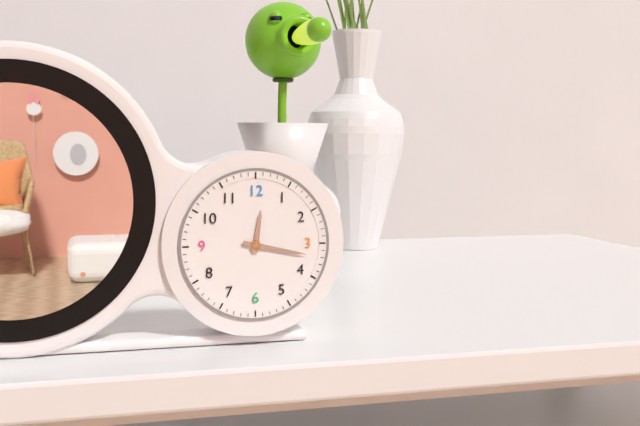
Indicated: **12:17**
